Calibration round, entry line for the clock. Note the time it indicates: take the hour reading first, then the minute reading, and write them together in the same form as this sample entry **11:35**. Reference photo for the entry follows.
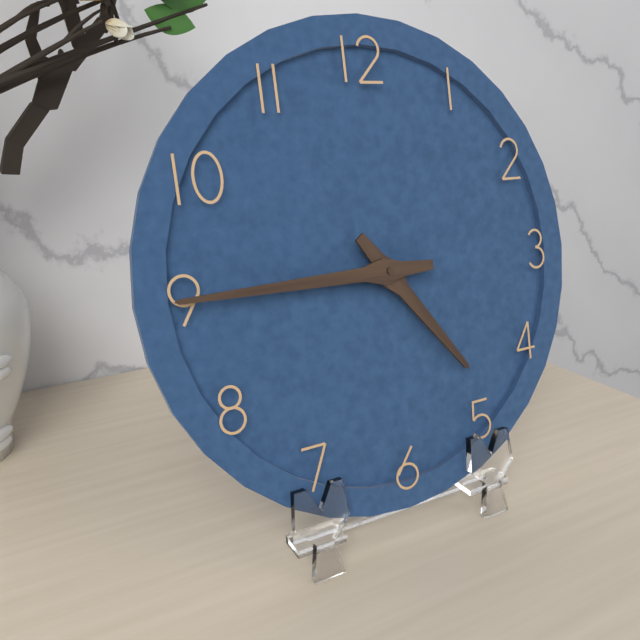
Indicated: **4:45**
